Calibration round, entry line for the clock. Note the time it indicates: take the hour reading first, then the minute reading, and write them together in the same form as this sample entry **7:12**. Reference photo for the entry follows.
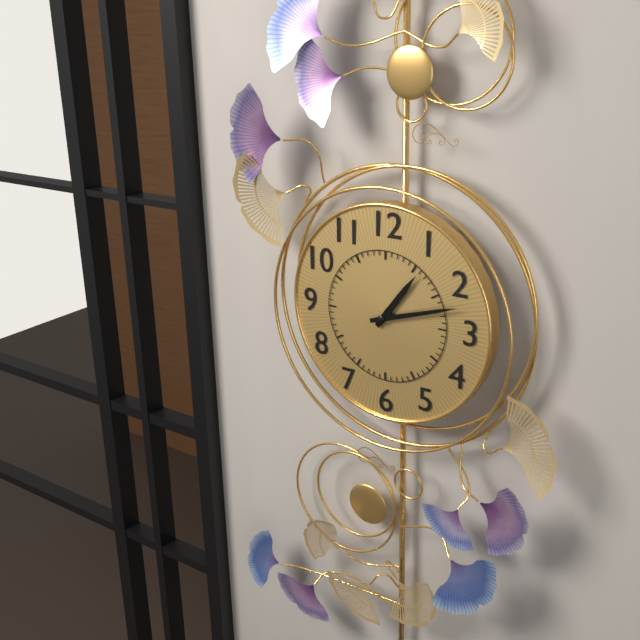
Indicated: **1:12**
